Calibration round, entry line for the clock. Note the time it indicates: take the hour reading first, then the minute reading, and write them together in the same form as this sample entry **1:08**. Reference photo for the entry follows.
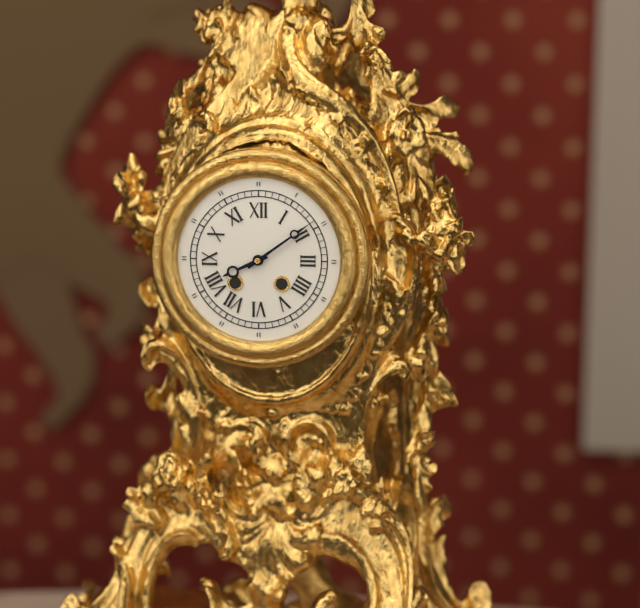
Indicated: **8:09**
